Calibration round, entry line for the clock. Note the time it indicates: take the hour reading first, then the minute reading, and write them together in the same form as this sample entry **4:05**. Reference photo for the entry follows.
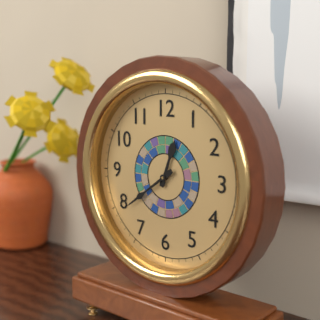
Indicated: **12:39**
